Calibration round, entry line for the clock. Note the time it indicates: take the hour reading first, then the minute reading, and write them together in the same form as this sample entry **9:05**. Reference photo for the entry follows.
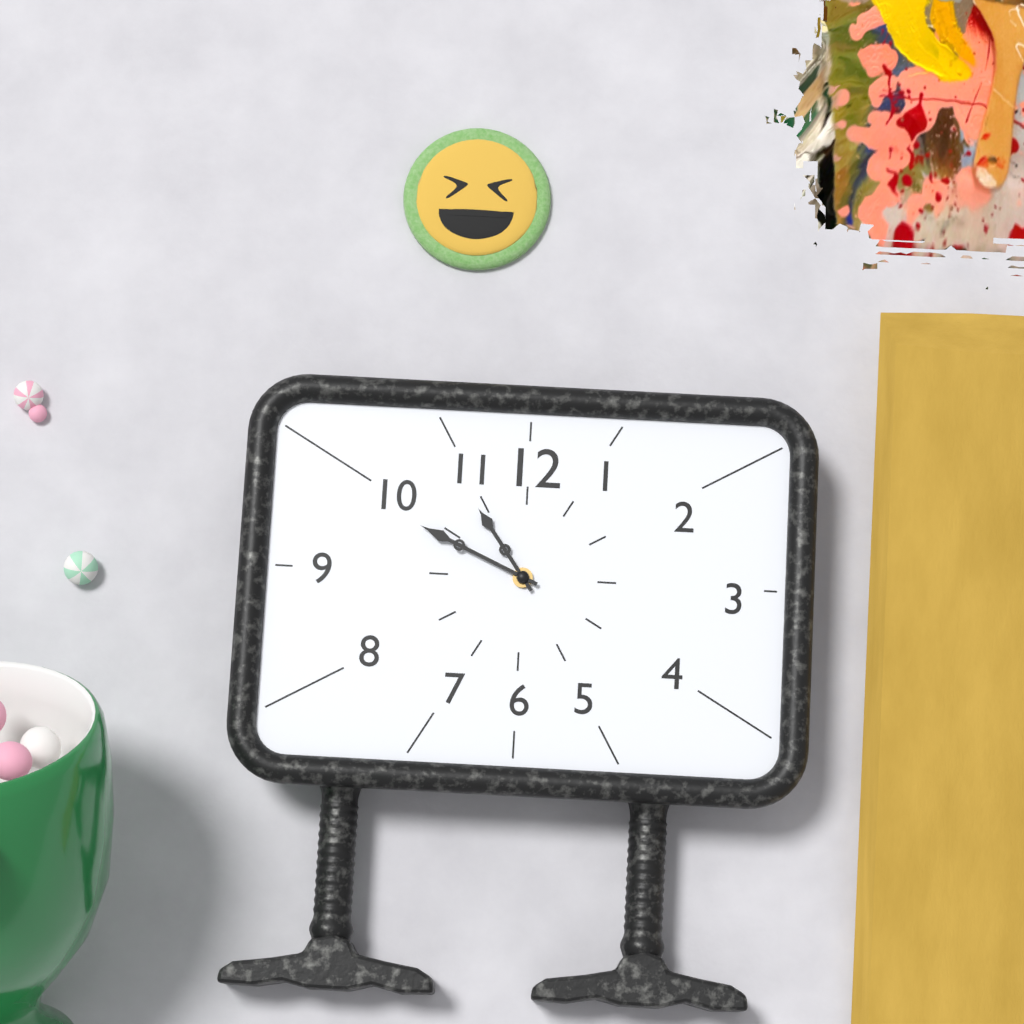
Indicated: **10:49**
